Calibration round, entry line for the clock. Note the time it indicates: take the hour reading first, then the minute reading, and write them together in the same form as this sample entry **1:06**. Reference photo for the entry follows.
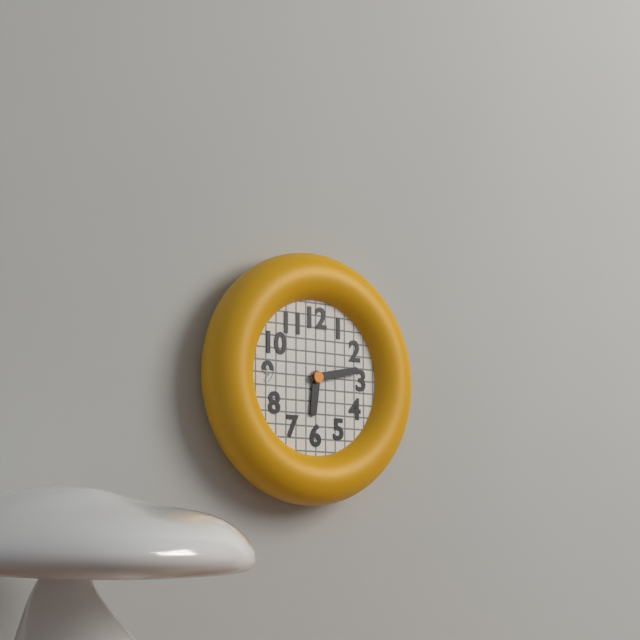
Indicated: **6:13**
